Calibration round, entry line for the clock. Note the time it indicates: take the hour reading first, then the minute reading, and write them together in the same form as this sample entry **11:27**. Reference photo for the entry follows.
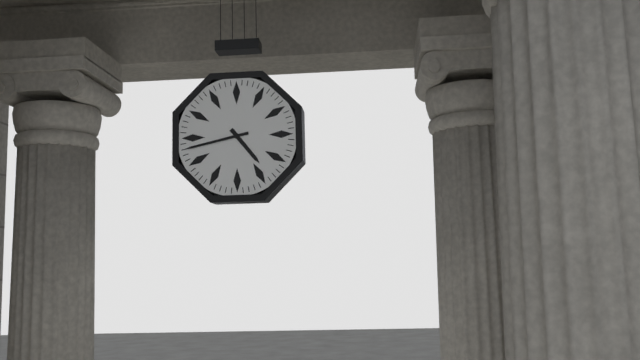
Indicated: **4:43**
